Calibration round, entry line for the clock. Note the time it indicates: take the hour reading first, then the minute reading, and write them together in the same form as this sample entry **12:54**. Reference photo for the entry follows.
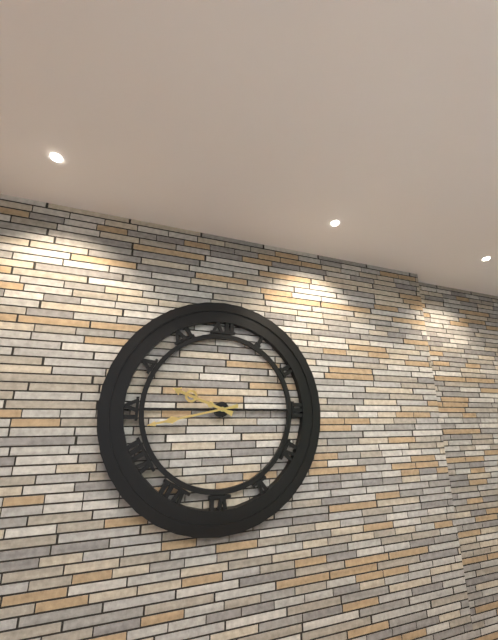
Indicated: **9:43**
